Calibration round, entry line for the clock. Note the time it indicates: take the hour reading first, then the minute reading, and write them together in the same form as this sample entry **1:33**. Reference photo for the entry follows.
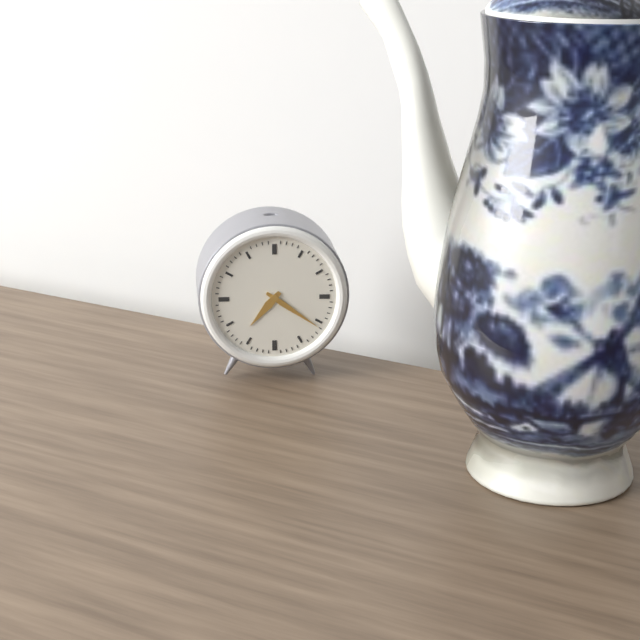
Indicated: **7:21**
